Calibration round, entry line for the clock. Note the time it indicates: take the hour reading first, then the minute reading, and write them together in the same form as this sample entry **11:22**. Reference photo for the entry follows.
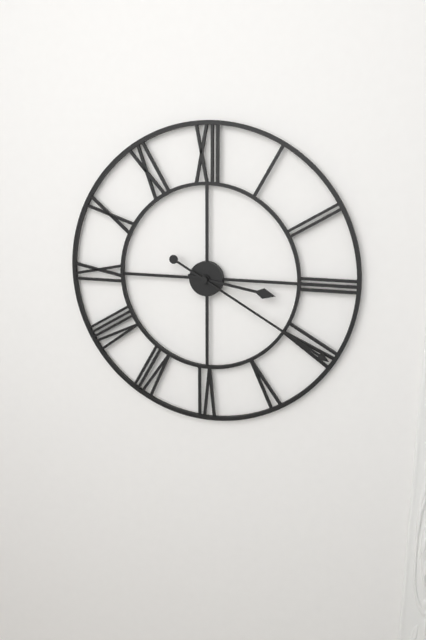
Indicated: **3:20**
